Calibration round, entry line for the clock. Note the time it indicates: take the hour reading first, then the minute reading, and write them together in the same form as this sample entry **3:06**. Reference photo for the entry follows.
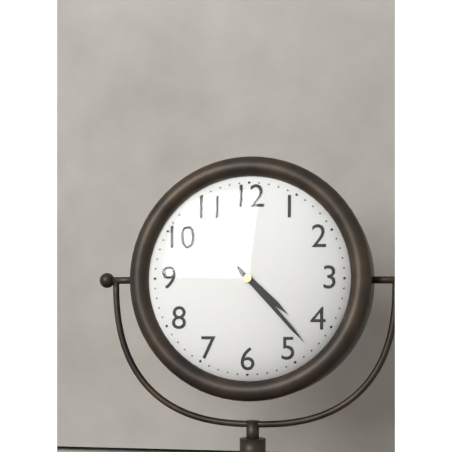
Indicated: **4:23**
